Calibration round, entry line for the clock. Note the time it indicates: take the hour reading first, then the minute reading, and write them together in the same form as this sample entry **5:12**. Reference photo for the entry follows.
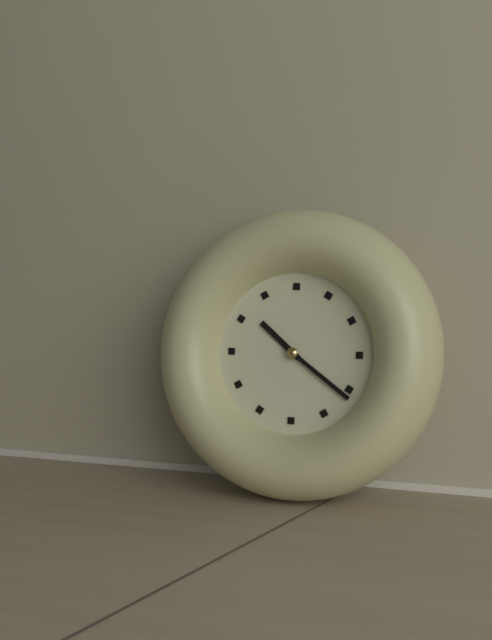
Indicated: **10:21**
